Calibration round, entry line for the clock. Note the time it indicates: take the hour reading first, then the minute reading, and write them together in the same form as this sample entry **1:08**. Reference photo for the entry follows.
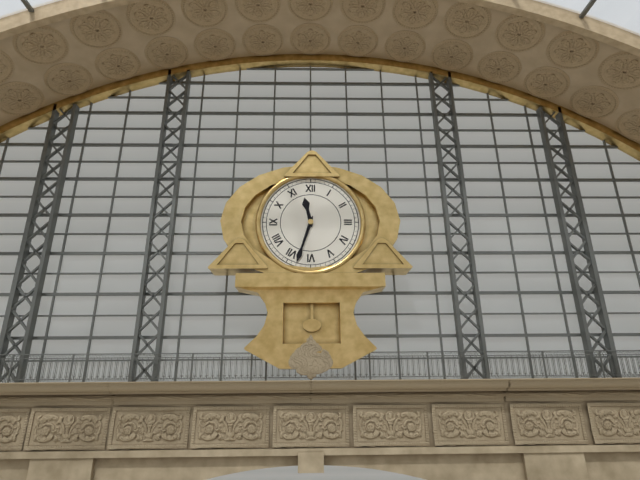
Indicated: **11:33**
